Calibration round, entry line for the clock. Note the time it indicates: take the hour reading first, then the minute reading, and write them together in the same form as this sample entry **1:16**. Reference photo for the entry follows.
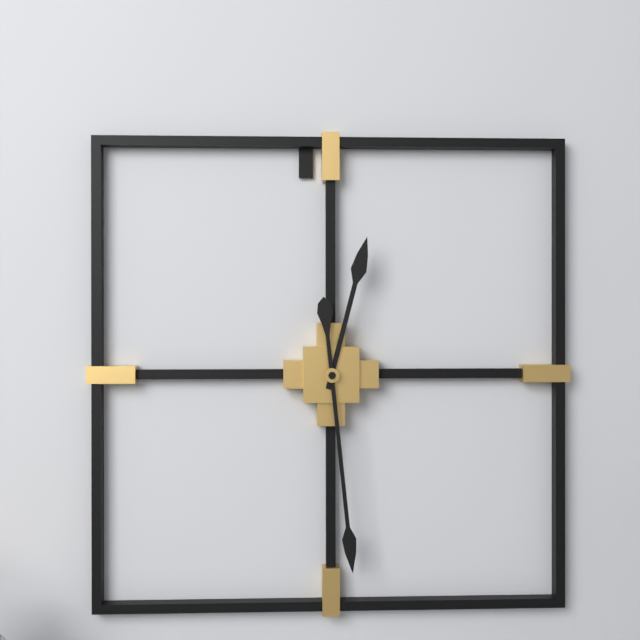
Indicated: **12:29**
